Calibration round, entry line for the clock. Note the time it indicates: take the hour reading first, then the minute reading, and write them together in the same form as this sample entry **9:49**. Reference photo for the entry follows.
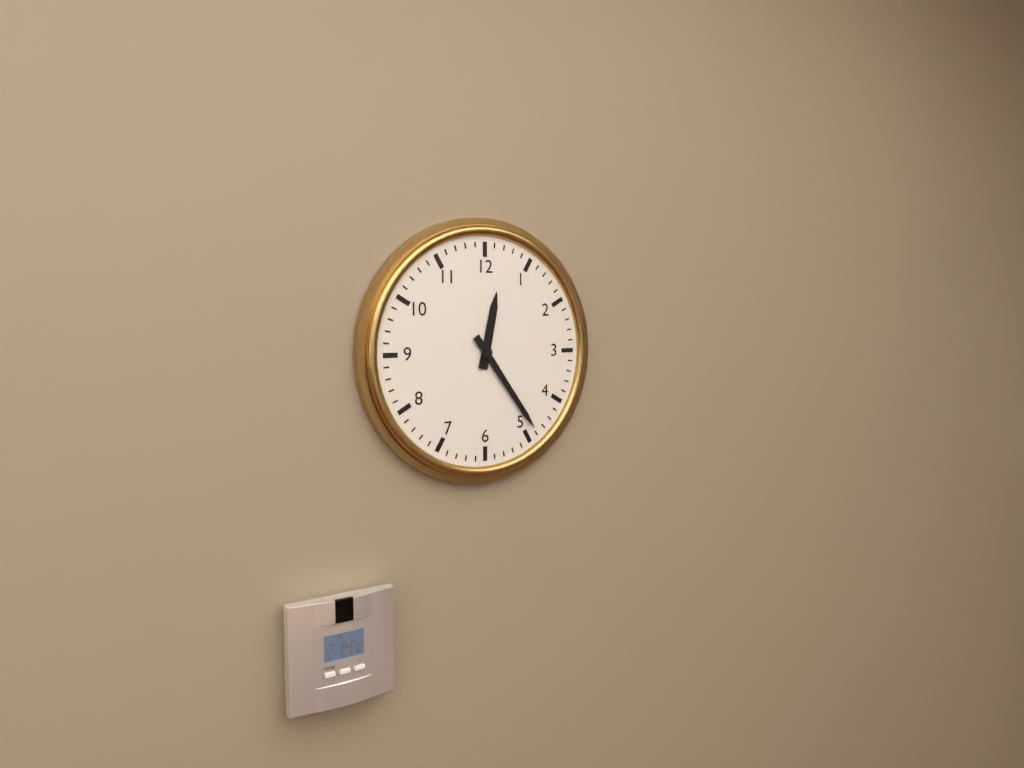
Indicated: **12:24**
